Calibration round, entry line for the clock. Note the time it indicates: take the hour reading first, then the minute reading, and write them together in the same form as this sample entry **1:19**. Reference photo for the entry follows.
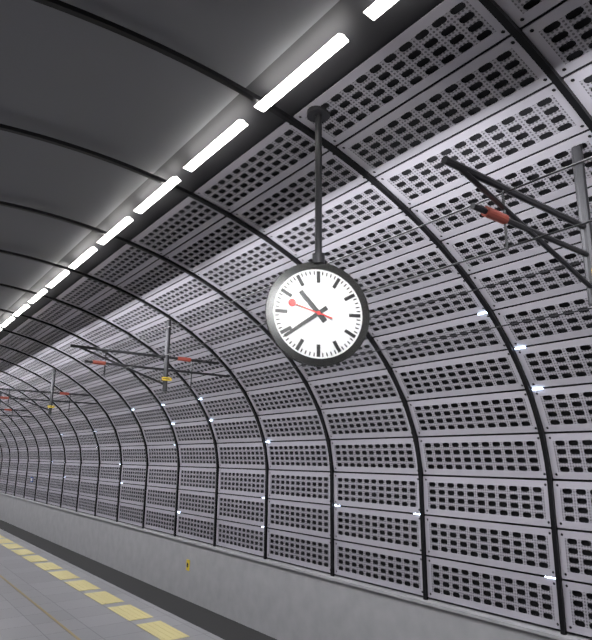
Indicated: **10:39**
